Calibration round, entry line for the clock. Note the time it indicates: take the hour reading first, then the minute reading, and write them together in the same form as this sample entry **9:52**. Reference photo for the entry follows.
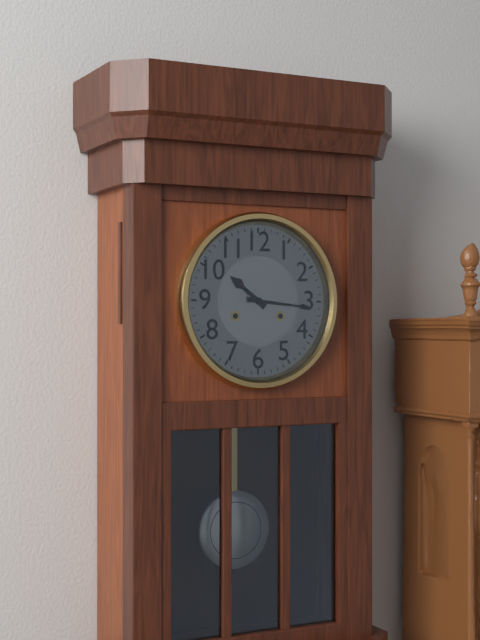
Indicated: **10:16**
